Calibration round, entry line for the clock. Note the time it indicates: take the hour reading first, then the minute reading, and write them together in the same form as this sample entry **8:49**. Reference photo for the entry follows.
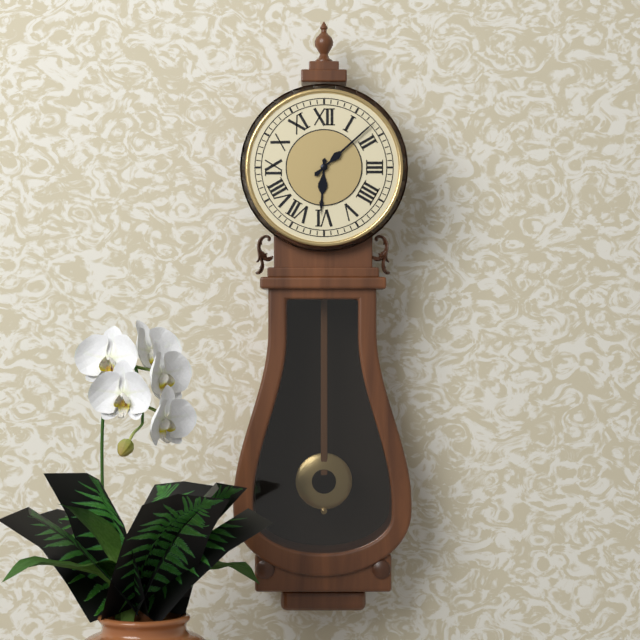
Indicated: **6:08**
